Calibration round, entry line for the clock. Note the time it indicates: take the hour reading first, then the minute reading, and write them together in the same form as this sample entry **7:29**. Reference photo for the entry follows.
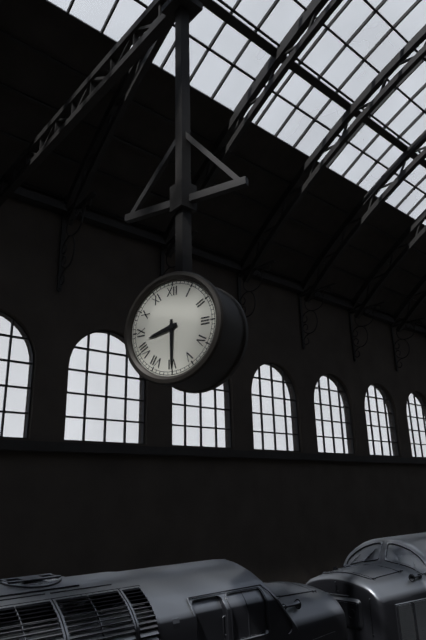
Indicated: **8:30**
